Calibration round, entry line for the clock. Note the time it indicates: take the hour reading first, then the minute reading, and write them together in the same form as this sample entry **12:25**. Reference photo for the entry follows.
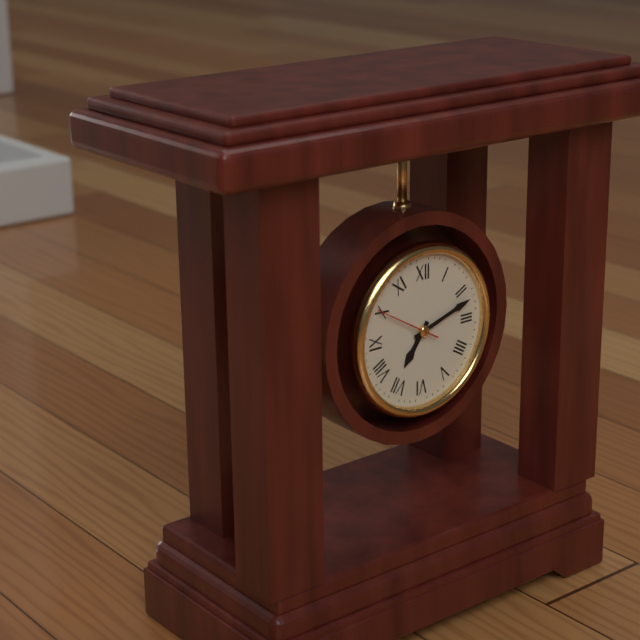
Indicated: **7:12**
